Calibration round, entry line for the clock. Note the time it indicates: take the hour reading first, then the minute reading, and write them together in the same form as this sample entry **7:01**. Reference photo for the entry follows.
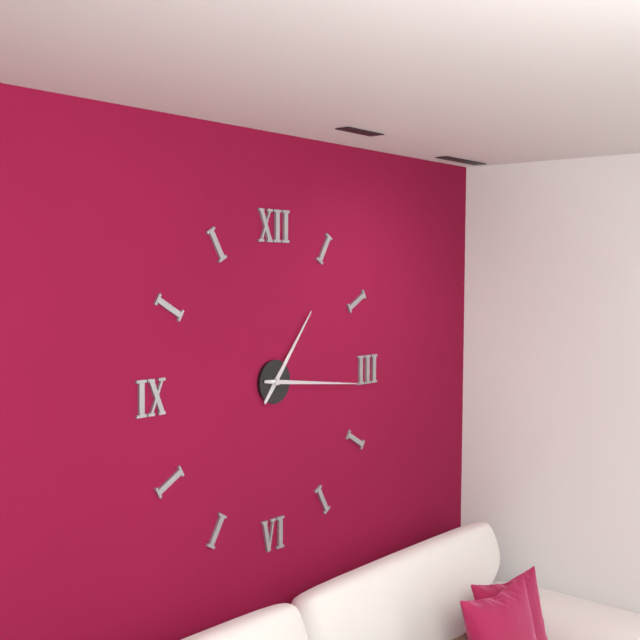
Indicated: **1:16**
